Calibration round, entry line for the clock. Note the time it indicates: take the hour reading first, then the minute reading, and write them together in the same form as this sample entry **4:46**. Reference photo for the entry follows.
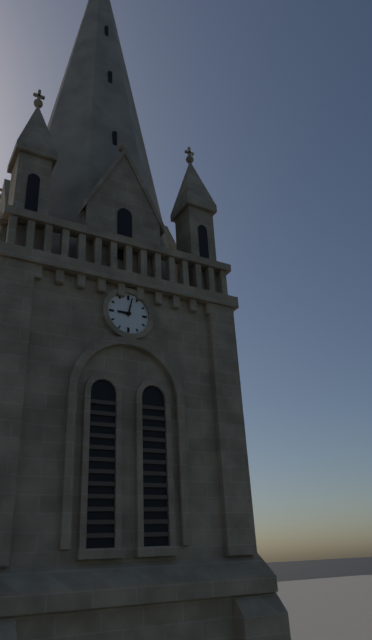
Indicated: **9:02**
